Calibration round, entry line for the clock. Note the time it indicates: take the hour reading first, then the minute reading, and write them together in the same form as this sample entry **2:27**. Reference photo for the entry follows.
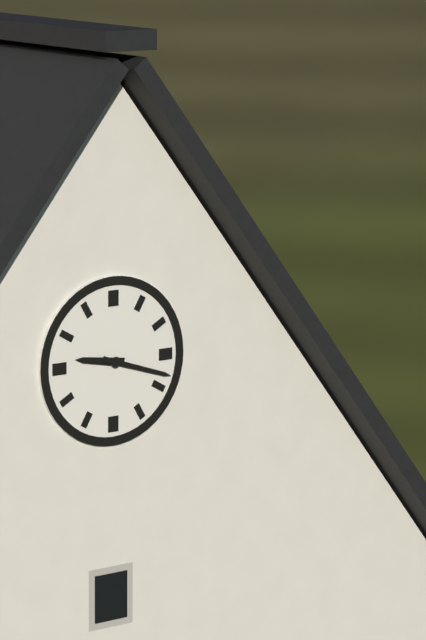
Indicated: **9:18**
